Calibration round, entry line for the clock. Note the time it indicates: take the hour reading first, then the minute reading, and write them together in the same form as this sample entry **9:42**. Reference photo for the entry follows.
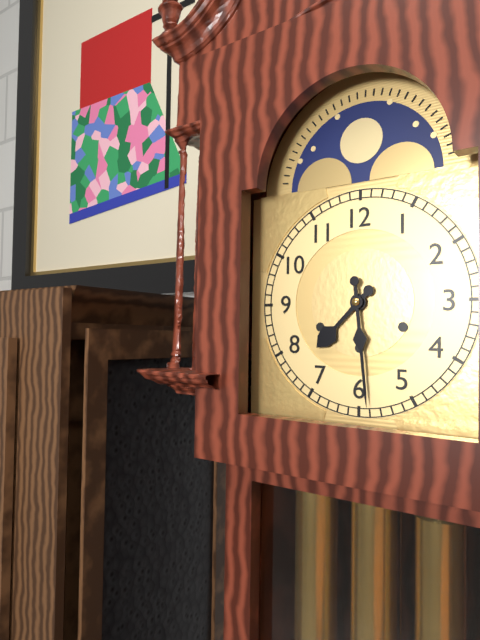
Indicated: **7:29**
